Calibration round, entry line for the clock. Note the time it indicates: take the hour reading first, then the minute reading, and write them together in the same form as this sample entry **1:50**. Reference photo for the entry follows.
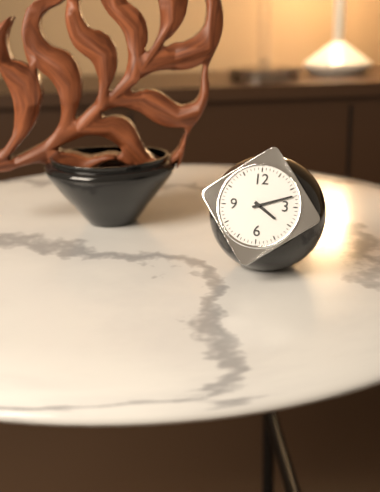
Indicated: **4:12**
